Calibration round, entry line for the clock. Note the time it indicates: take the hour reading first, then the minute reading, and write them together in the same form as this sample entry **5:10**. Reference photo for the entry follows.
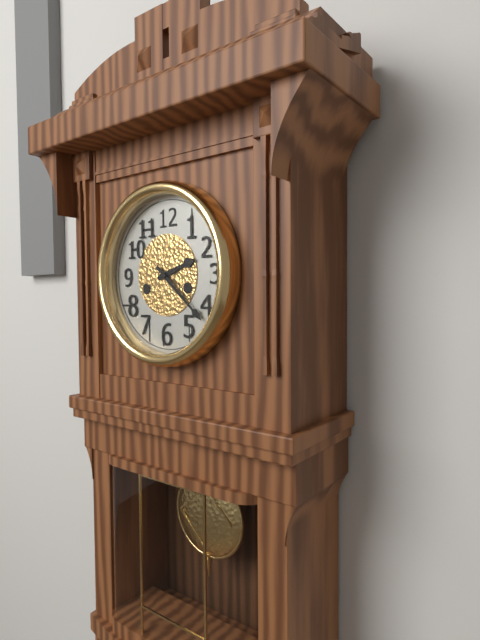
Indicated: **2:22**
